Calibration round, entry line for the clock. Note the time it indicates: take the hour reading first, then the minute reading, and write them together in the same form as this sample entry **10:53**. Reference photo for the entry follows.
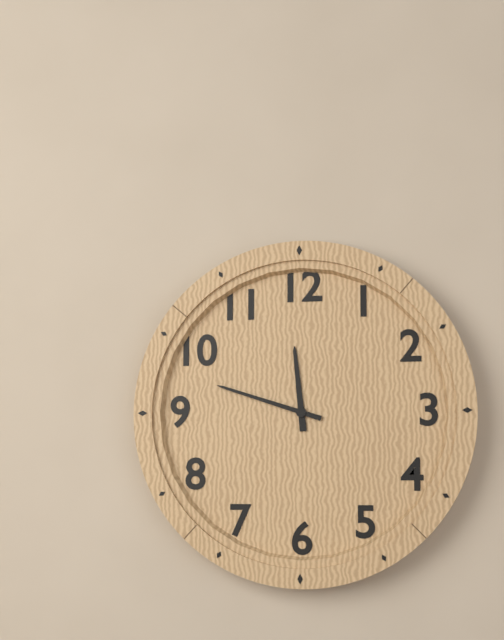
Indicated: **11:48**
